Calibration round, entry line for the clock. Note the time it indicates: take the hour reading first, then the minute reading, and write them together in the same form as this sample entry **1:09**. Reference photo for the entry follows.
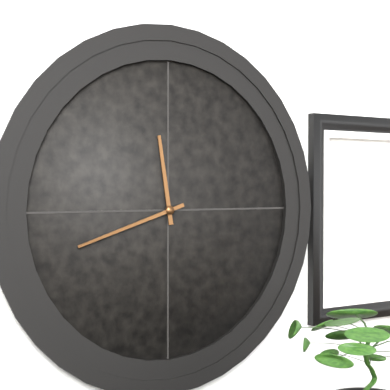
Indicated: **11:42**
